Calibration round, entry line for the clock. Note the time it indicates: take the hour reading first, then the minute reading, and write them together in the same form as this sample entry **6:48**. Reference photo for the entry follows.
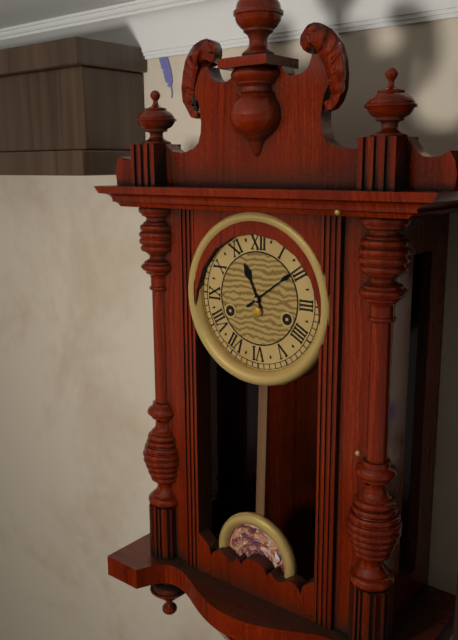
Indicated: **11:09**
